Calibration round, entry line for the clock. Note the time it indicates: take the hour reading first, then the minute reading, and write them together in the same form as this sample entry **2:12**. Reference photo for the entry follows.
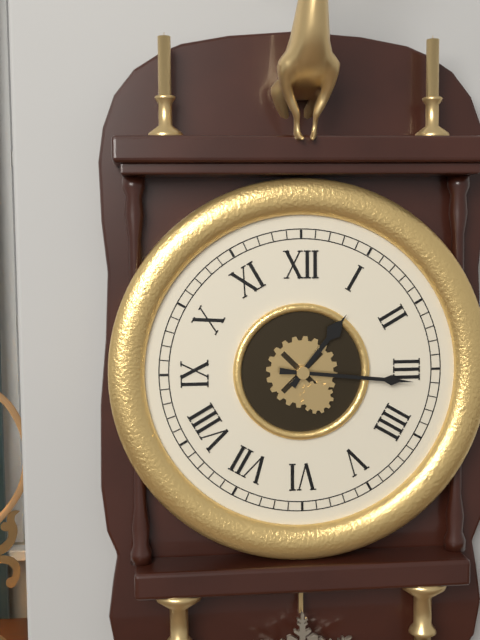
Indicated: **1:16**
